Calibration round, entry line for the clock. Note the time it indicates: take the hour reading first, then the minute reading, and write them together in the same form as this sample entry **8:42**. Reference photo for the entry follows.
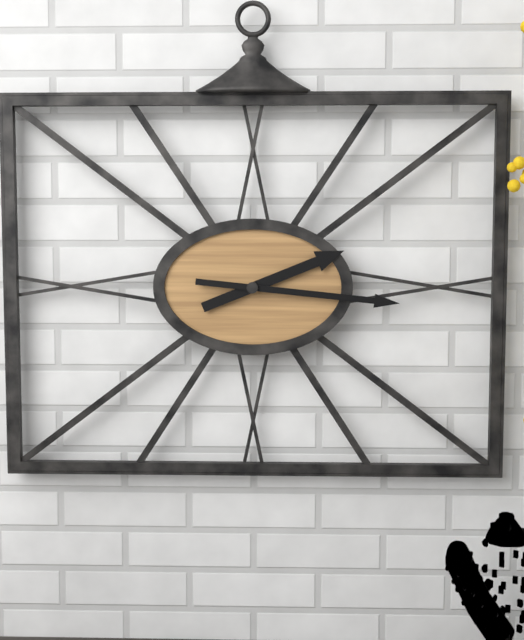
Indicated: **2:16**
